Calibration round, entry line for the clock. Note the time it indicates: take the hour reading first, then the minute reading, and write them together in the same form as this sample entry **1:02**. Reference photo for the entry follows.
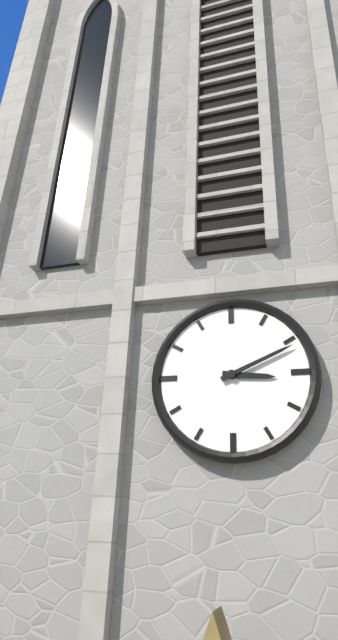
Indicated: **3:11**
